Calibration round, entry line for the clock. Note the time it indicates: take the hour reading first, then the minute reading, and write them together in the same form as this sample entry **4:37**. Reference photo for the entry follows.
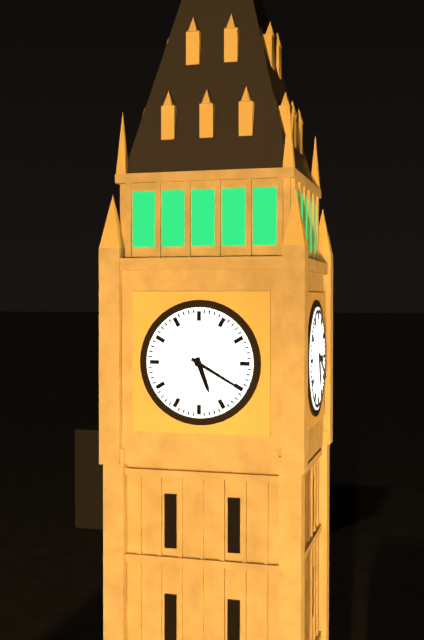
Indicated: **5:20**
